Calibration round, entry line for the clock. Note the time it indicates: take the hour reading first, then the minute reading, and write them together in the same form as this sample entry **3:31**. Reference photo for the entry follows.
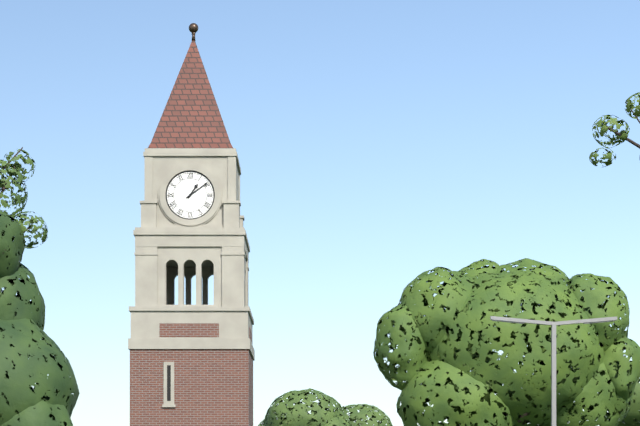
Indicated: **1:09**
